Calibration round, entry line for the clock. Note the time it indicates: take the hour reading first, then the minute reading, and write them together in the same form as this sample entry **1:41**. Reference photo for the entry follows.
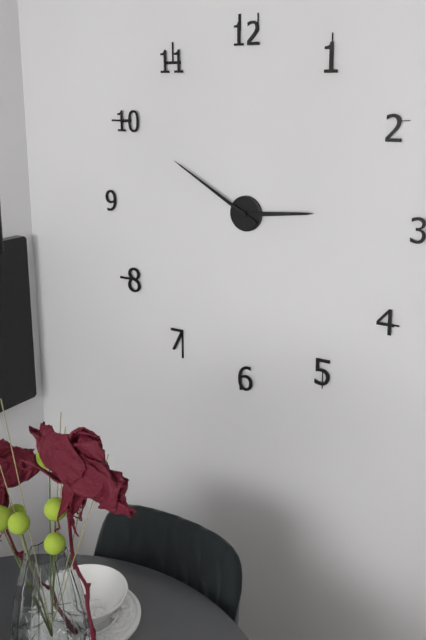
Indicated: **2:50**
